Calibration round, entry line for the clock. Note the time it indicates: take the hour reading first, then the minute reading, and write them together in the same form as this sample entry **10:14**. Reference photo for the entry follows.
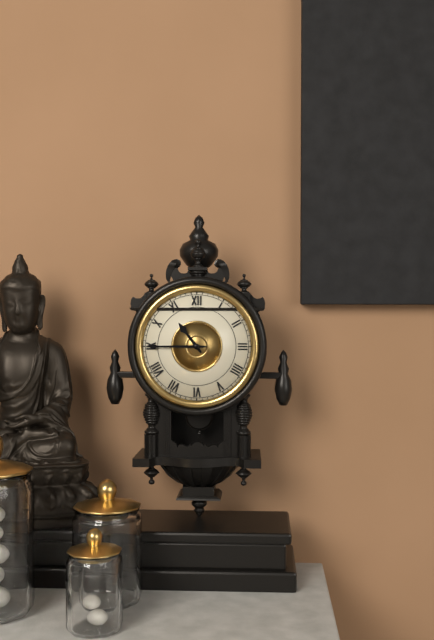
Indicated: **10:45**
